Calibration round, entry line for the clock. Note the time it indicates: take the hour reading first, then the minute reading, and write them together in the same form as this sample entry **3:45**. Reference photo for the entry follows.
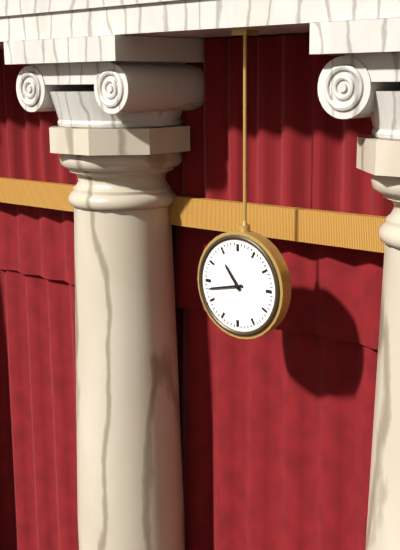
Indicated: **10:43**
